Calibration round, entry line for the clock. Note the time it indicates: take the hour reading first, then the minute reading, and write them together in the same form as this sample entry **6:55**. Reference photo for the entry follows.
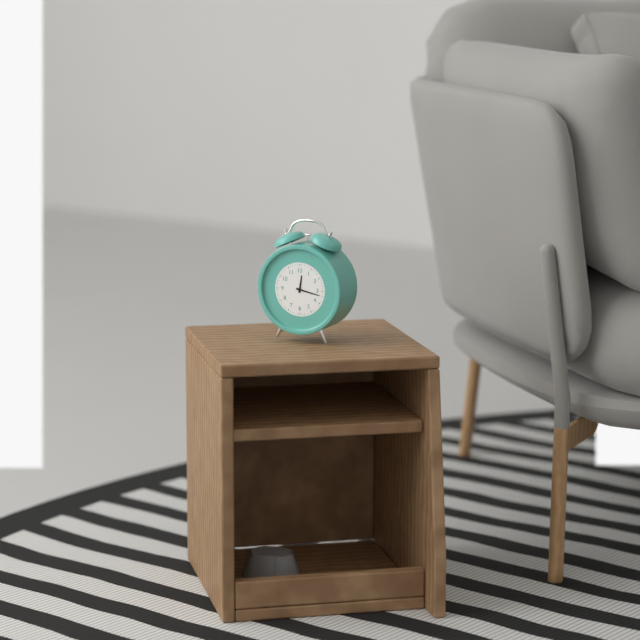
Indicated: **12:17**
